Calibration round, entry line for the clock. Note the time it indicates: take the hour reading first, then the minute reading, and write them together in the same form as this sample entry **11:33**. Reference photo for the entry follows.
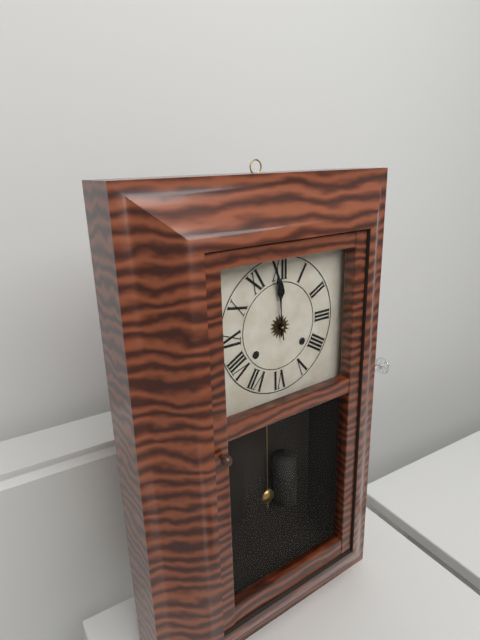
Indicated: **11:59**
